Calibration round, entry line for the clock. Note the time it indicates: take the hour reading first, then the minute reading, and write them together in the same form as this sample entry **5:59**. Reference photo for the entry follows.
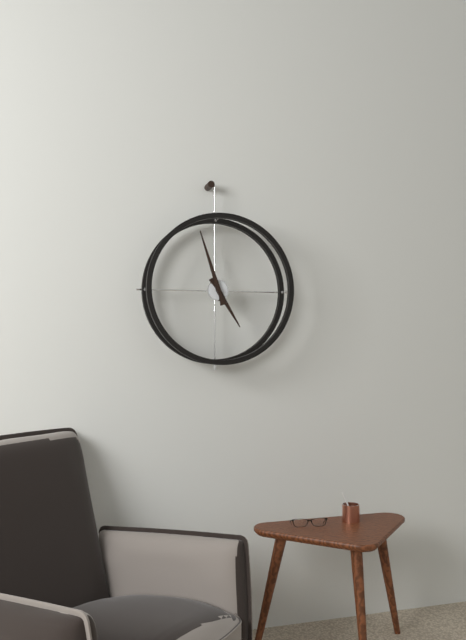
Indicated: **4:57**
